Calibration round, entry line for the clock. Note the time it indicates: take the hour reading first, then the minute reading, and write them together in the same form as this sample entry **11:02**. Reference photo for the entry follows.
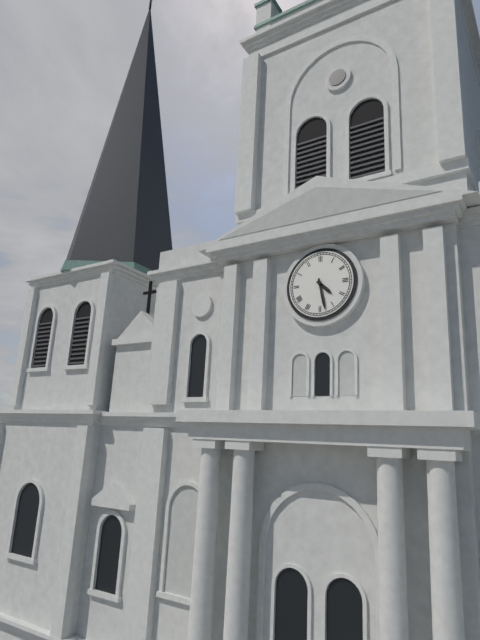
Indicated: **4:28**
